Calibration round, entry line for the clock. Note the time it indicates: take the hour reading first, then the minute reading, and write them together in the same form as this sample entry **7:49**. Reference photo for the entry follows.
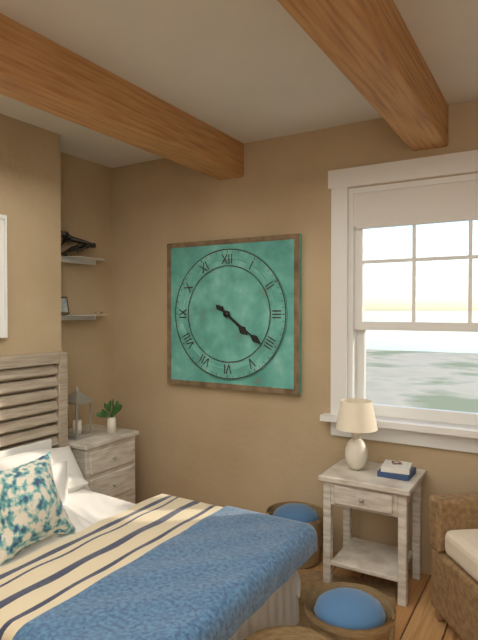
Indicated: **4:21**
